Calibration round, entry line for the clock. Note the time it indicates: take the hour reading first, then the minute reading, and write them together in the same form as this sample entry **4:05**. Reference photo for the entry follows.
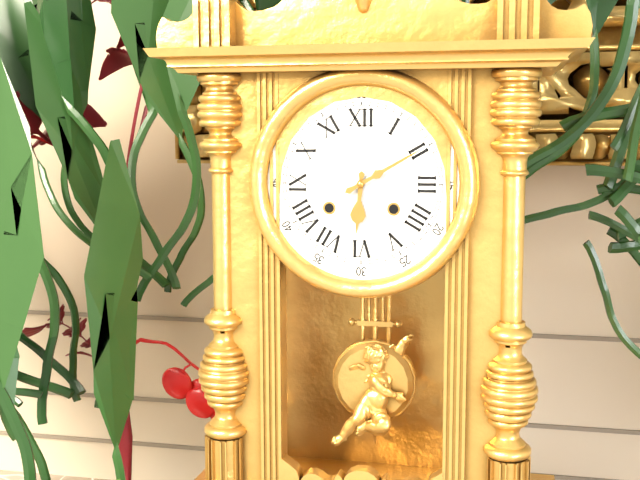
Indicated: **6:10**
